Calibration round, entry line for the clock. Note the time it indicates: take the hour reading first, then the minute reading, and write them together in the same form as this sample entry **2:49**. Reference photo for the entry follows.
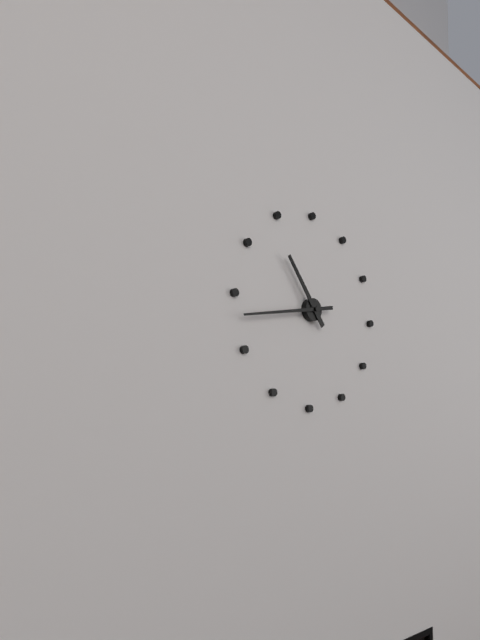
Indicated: **10:43**
